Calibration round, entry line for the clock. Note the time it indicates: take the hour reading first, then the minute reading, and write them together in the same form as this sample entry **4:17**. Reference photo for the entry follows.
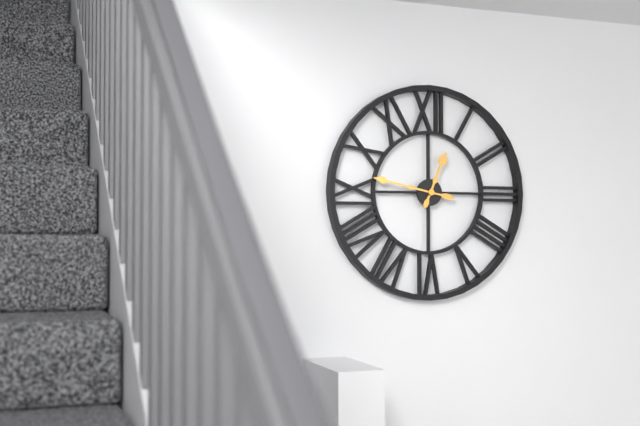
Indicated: **12:47**
